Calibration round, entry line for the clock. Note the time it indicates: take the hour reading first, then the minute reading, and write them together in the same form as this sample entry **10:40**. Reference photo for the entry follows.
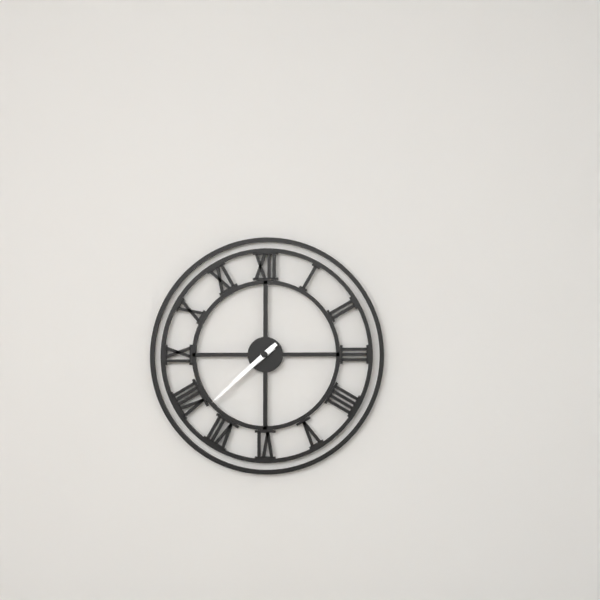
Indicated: **7:38**
